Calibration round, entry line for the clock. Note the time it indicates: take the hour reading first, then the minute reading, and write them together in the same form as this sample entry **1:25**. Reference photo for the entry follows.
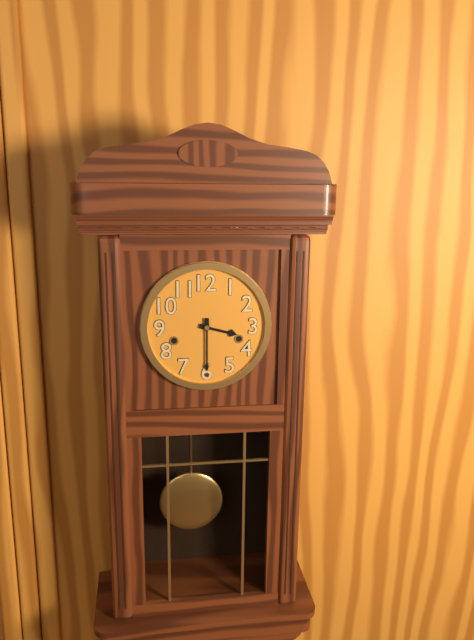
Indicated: **3:30**
